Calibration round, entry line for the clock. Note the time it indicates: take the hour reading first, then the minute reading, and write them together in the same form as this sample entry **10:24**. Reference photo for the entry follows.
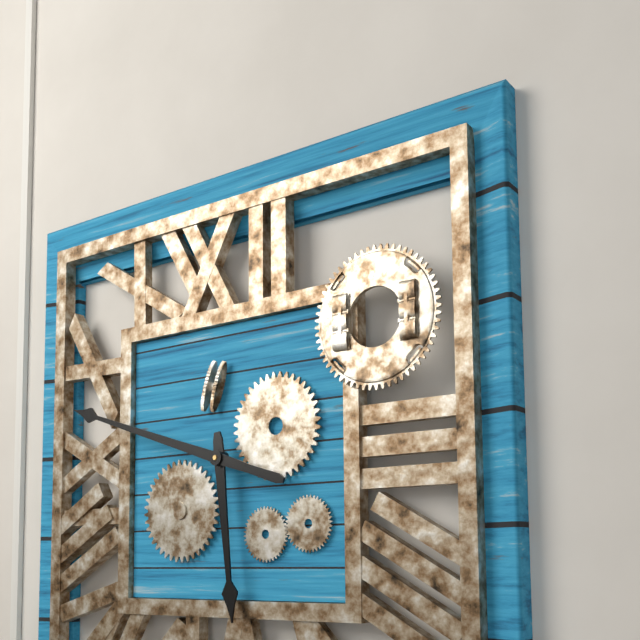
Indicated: **5:48**
